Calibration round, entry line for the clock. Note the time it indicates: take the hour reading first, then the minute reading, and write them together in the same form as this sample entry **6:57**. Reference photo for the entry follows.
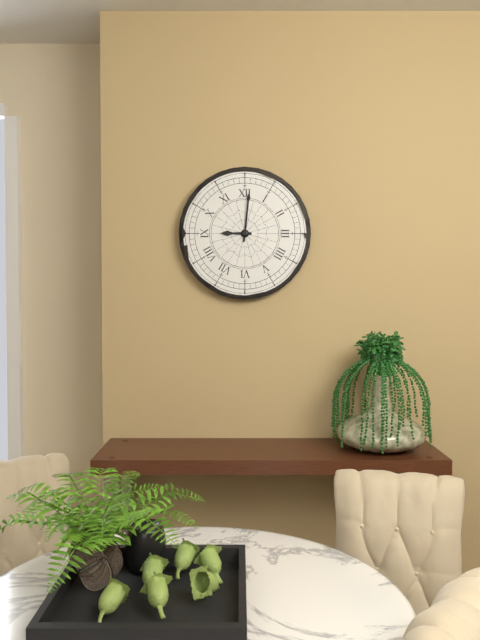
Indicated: **9:01**
